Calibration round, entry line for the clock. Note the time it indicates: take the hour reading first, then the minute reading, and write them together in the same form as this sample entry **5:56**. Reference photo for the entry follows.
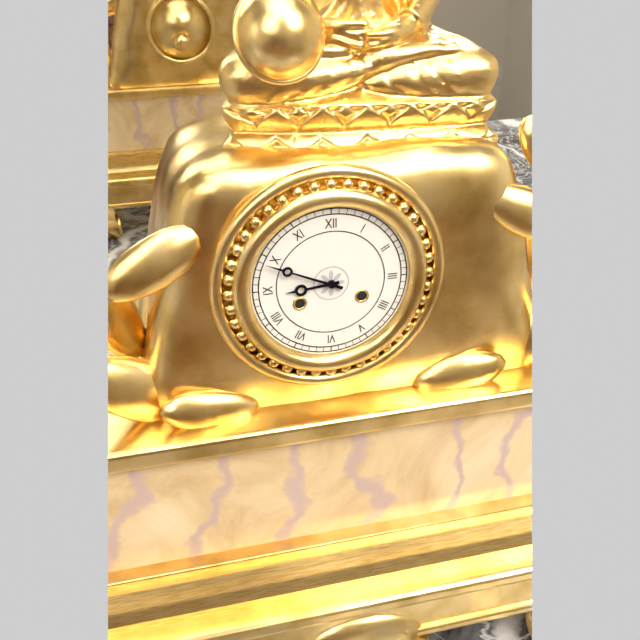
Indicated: **8:49**
